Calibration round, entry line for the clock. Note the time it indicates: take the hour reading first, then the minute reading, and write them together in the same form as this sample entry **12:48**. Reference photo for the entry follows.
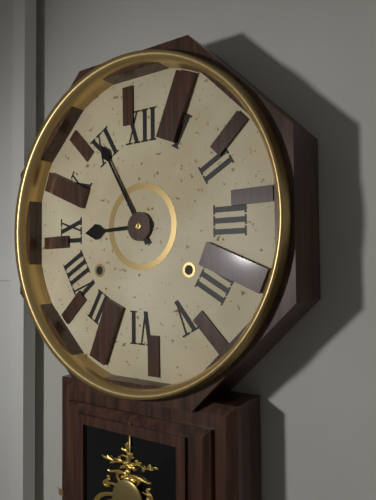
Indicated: **8:55**
